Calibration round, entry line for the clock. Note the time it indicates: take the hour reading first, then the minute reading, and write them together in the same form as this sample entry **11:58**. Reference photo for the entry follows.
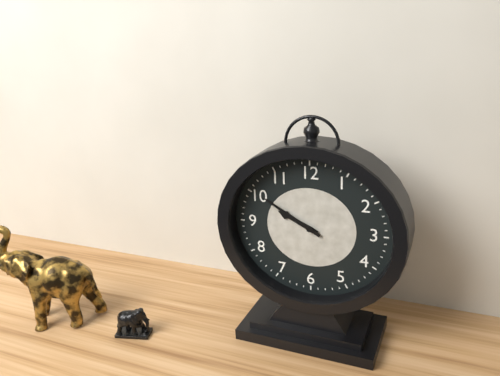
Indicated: **9:50**
